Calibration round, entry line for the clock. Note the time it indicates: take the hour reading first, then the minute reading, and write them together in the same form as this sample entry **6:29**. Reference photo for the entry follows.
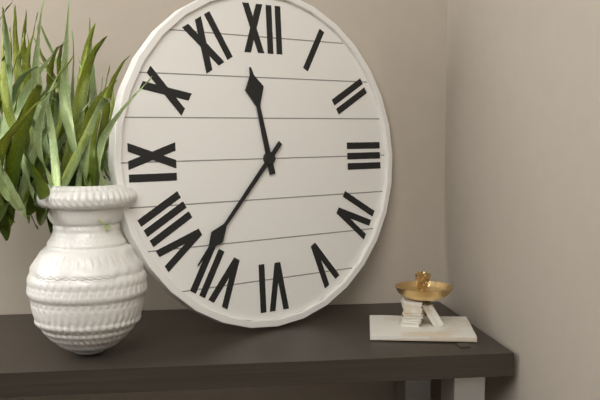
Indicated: **11:37**
